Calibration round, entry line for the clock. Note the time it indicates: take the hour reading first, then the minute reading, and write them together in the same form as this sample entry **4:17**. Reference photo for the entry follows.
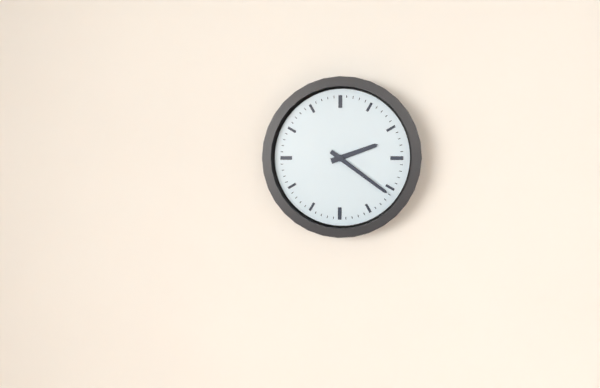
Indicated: **2:21**
